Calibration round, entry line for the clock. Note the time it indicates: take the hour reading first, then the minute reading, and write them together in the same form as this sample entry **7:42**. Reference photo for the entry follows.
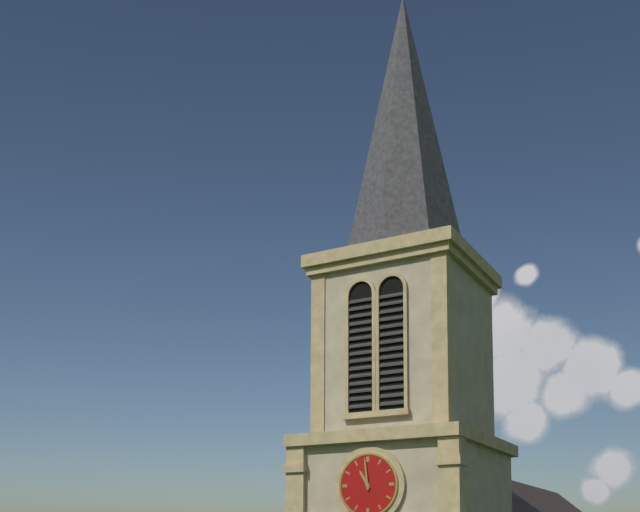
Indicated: **10:59**
